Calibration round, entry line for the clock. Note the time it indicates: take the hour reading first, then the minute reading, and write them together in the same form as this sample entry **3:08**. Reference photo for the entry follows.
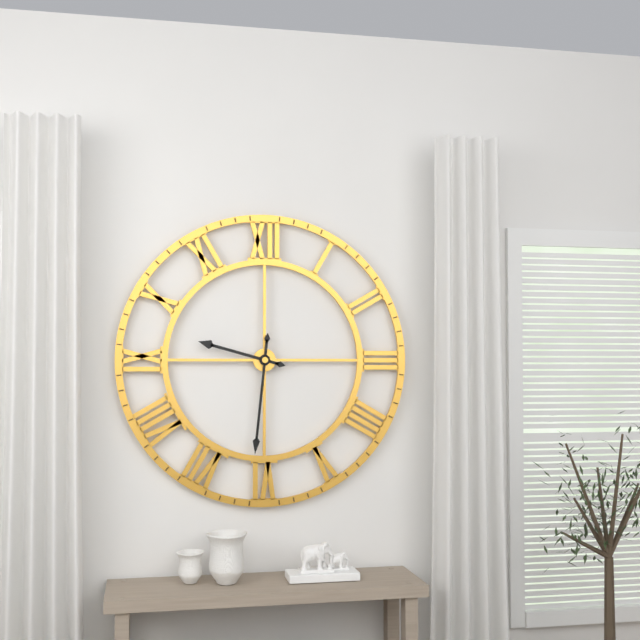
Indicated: **9:31**
